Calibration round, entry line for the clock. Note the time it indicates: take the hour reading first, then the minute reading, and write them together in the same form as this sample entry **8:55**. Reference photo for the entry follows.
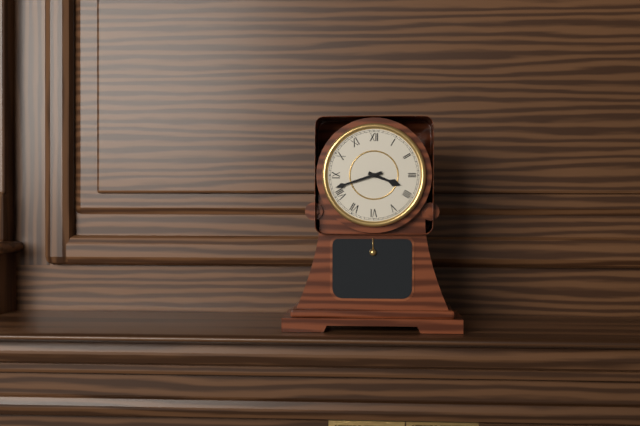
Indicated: **3:42**
